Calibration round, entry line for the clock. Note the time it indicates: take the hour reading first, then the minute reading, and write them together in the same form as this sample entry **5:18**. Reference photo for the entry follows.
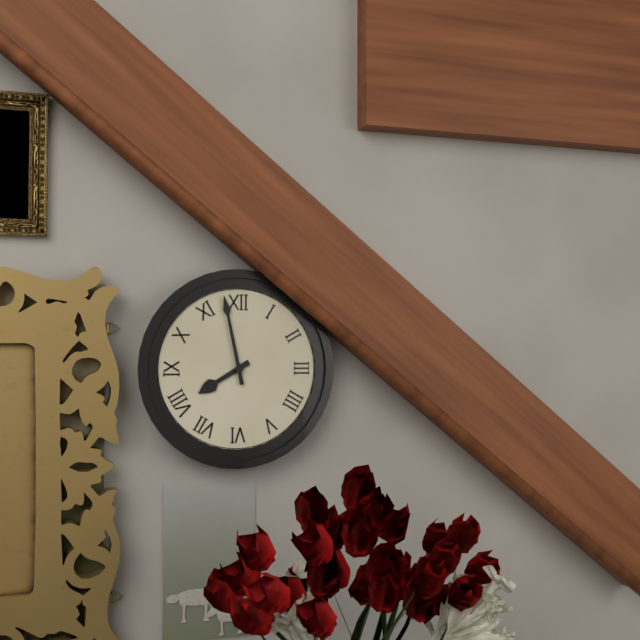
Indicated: **7:58**
